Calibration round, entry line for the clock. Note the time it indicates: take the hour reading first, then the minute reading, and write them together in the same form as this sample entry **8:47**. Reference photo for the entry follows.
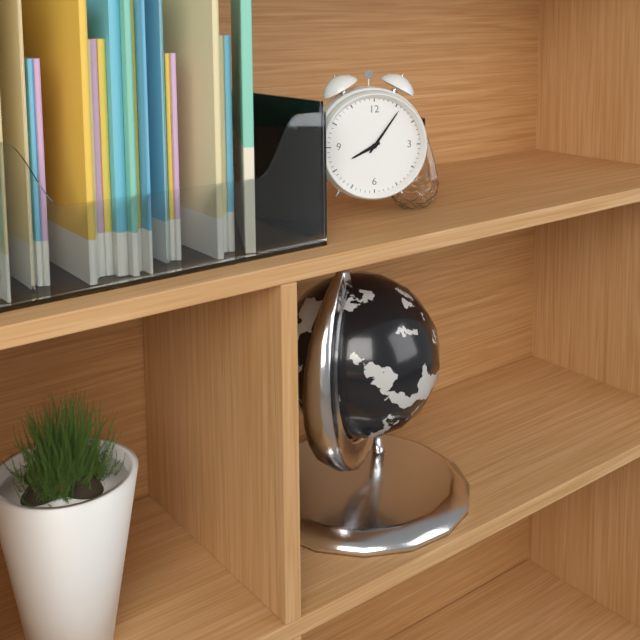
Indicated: **8:06**
